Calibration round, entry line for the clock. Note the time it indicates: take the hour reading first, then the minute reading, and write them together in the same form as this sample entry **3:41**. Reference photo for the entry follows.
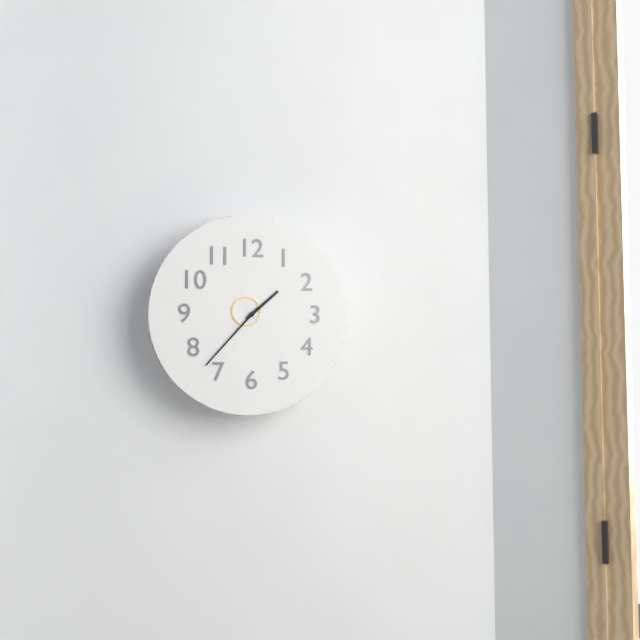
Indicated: **1:37**
